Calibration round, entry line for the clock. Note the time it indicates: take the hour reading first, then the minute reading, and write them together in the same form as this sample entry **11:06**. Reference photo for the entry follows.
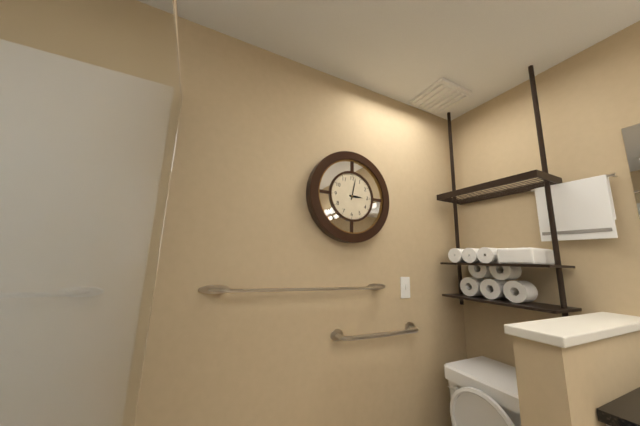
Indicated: **3:02**
